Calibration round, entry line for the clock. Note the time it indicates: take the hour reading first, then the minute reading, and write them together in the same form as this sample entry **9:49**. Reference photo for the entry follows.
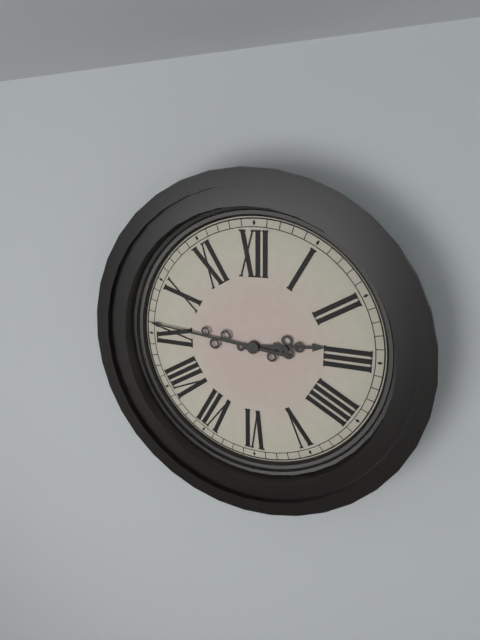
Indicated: **2:46**
